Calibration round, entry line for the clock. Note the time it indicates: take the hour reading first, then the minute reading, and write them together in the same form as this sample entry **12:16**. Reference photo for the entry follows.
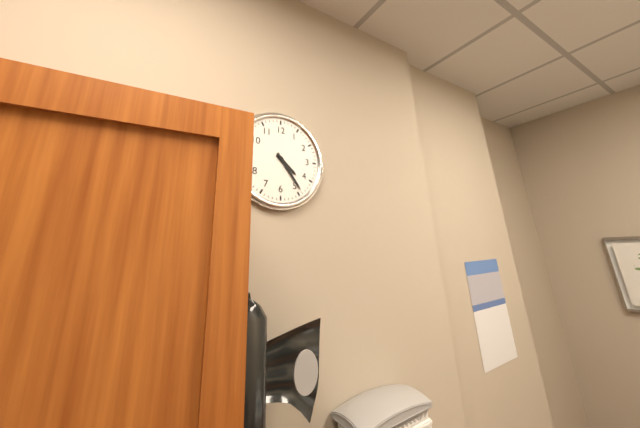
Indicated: **4:24**
